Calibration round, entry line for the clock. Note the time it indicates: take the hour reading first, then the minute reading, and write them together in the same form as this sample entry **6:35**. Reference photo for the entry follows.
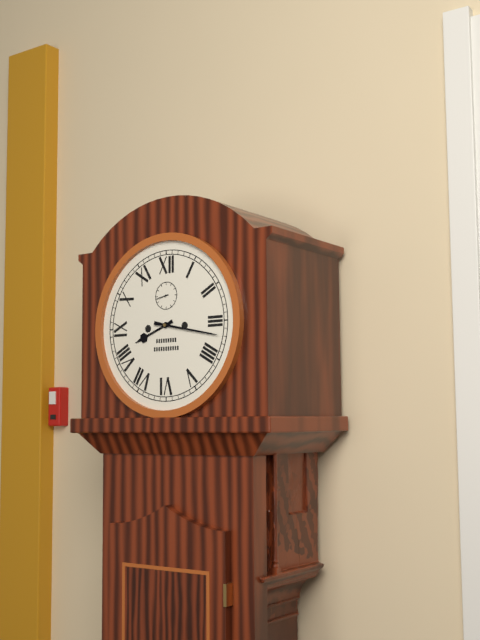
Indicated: **8:17**
